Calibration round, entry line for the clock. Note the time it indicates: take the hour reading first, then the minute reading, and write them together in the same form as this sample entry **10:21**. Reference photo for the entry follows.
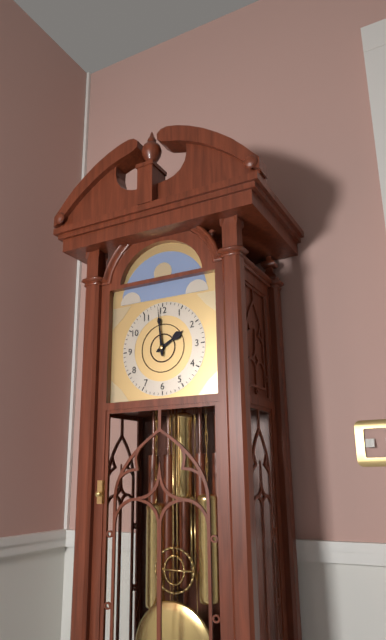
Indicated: **1:59**
